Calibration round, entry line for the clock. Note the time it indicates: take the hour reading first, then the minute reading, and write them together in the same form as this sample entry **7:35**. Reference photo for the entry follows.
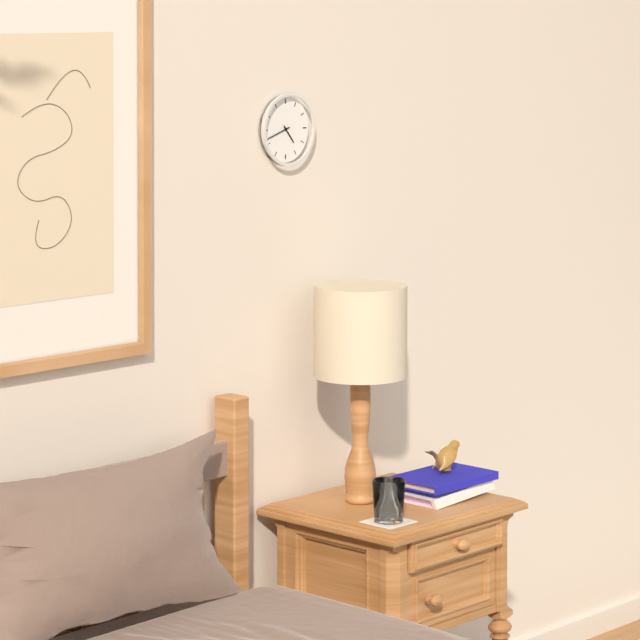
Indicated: **4:42**
